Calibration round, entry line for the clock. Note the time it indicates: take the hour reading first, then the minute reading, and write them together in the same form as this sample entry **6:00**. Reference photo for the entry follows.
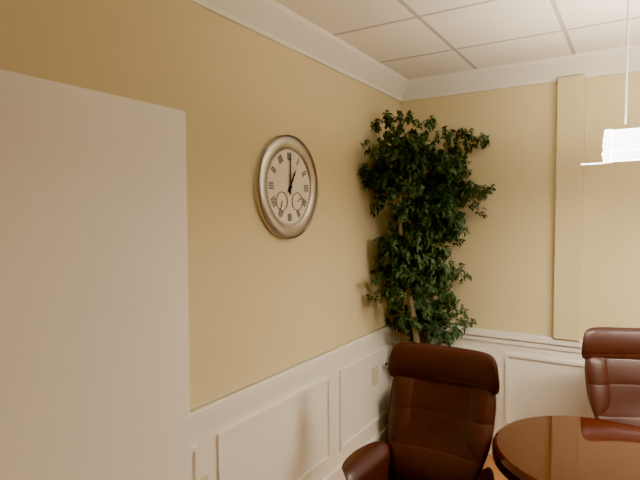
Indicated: **1:00**
